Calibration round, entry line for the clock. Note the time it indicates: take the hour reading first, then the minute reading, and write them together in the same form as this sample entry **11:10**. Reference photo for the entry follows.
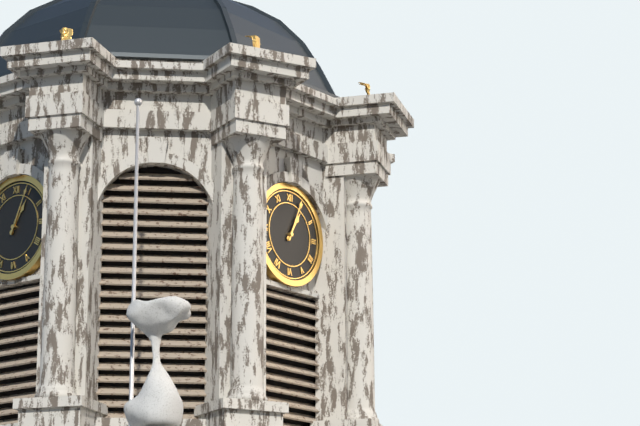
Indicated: **1:04**
